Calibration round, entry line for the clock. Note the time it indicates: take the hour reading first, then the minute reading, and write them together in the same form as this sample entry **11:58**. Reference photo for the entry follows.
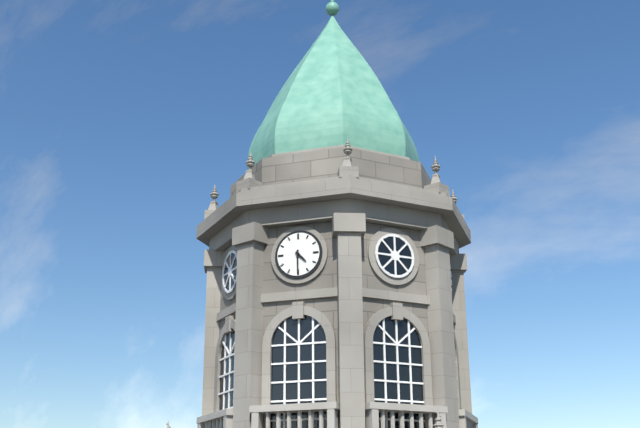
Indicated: **4:30**
